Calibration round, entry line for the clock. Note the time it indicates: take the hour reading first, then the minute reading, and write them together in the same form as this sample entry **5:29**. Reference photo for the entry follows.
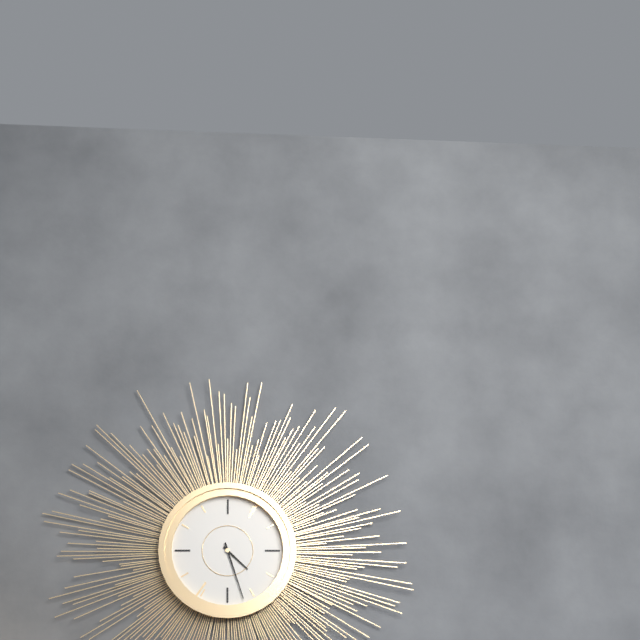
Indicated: **4:27**
